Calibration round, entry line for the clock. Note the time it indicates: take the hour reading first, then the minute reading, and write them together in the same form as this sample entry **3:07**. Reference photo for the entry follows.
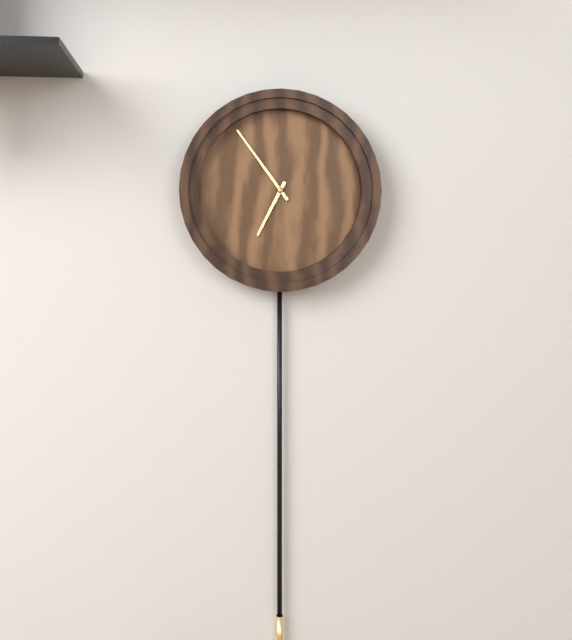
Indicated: **6:54**
